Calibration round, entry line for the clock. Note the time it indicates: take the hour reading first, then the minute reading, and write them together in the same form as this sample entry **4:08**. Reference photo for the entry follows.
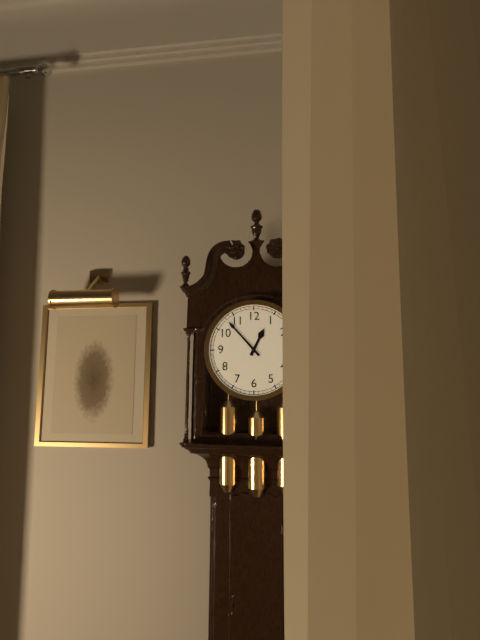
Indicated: **12:53**
